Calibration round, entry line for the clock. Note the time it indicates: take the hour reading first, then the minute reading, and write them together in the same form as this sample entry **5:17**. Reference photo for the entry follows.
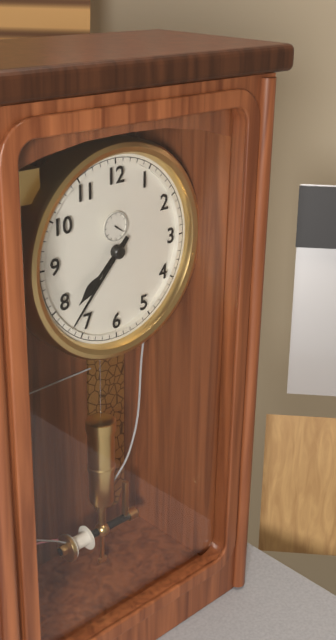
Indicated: **7:37**
